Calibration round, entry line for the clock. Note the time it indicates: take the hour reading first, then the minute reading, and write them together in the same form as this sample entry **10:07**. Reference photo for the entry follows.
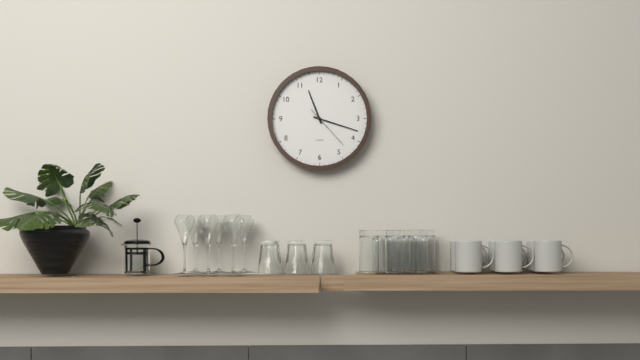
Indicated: **11:18**
